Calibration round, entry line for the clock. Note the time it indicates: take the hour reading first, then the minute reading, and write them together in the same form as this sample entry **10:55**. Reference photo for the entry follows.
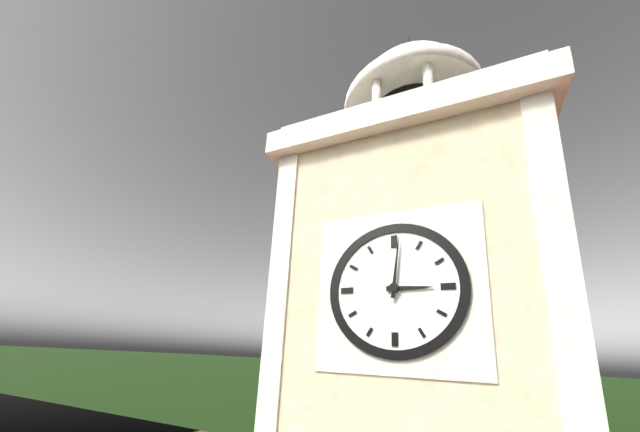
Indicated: **3:01**
